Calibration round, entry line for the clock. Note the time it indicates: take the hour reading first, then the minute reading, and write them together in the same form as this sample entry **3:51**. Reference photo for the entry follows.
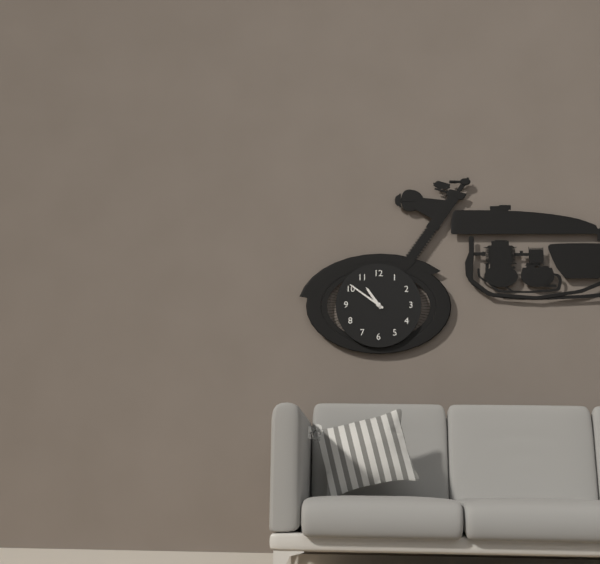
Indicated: **10:51**
